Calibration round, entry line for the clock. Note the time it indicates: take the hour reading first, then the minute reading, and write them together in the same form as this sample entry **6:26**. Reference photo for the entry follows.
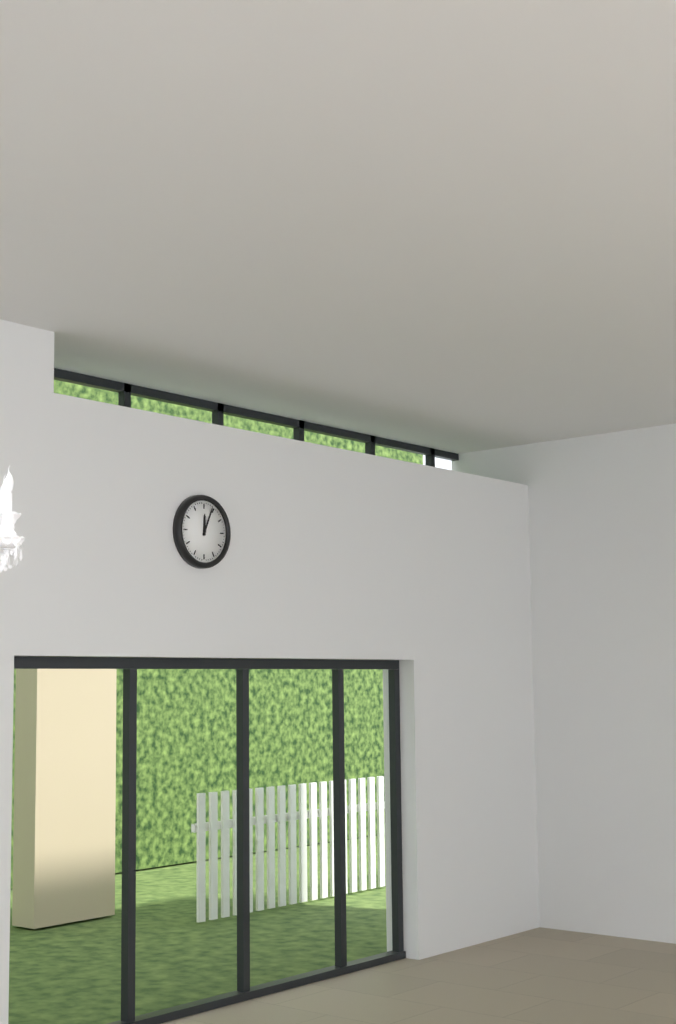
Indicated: **12:04**
